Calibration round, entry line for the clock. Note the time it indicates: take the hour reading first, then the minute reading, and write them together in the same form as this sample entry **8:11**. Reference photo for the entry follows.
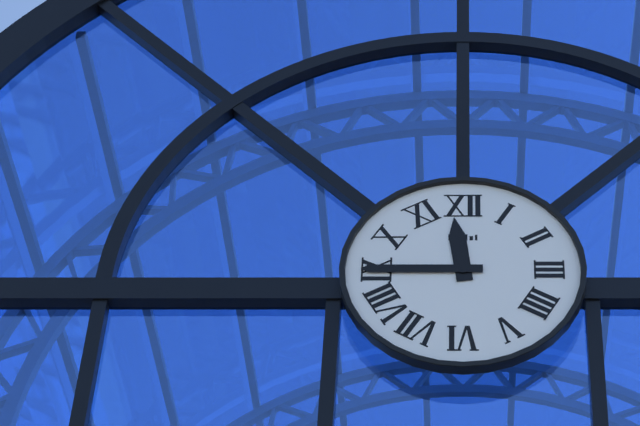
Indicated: **11:45**
